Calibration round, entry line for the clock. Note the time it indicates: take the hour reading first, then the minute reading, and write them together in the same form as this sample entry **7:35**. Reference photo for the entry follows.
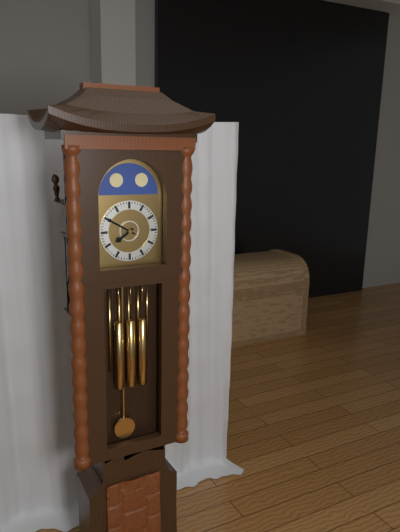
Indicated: **7:50**
